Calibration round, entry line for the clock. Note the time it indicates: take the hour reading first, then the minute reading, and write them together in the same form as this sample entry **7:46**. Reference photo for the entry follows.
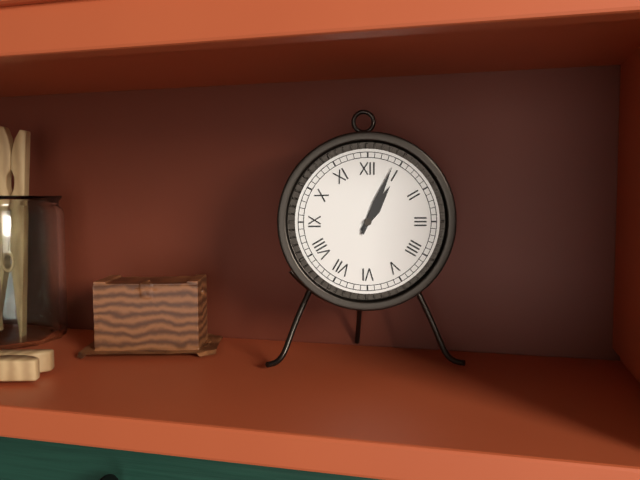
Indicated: **1:04**
